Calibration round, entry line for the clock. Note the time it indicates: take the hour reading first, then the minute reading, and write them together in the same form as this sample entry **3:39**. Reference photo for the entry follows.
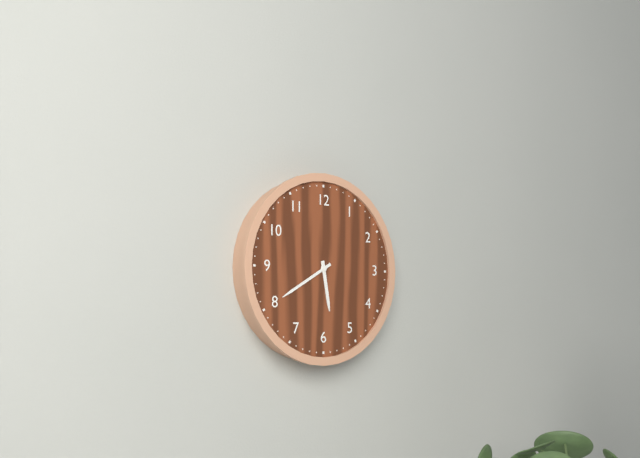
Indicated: **5:40**
